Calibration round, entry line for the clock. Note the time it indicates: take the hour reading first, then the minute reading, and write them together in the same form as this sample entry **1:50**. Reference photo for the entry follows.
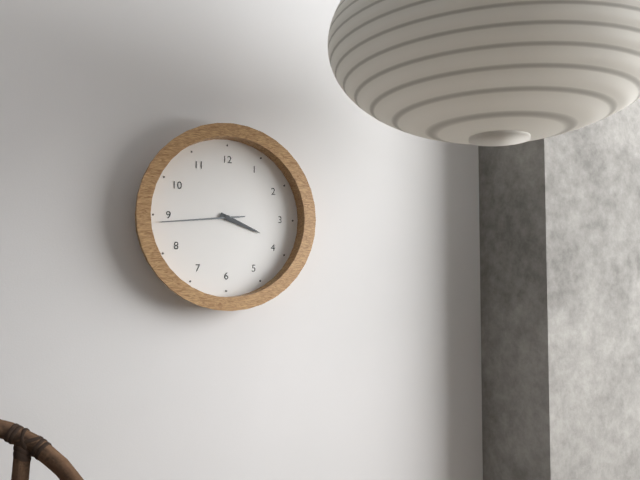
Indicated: **3:44**
